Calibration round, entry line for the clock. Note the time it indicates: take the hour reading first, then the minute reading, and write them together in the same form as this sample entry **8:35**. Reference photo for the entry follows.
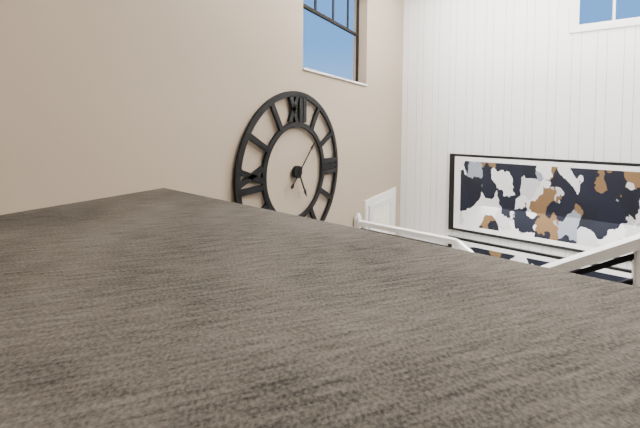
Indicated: **5:07**
